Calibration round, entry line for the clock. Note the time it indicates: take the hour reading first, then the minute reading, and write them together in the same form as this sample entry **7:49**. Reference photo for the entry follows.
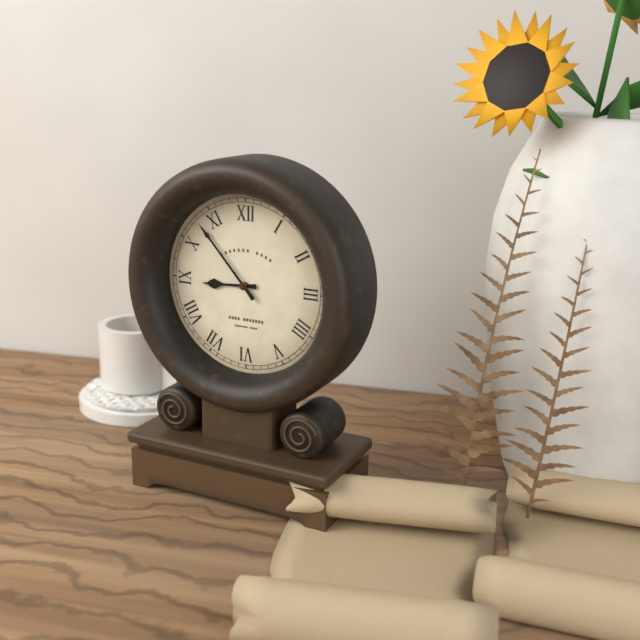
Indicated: **8:53**
